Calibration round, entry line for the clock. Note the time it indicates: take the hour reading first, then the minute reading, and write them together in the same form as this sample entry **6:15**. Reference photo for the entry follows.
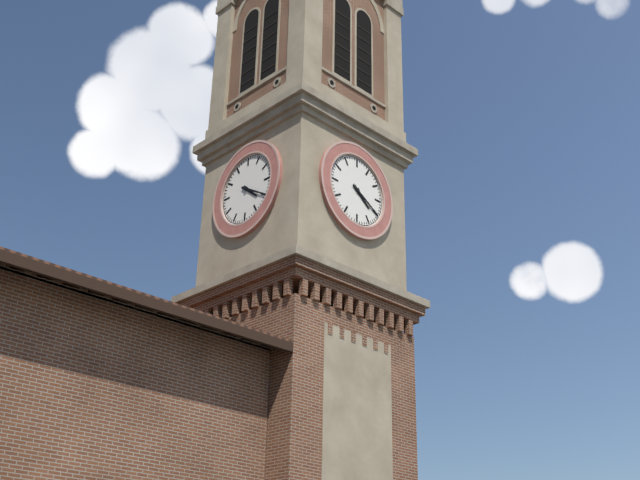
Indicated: **4:20**
